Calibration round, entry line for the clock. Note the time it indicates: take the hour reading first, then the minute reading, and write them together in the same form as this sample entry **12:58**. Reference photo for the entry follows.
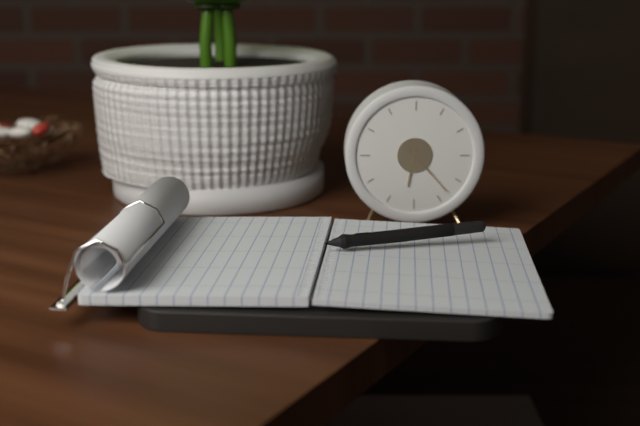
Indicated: **6:23**
